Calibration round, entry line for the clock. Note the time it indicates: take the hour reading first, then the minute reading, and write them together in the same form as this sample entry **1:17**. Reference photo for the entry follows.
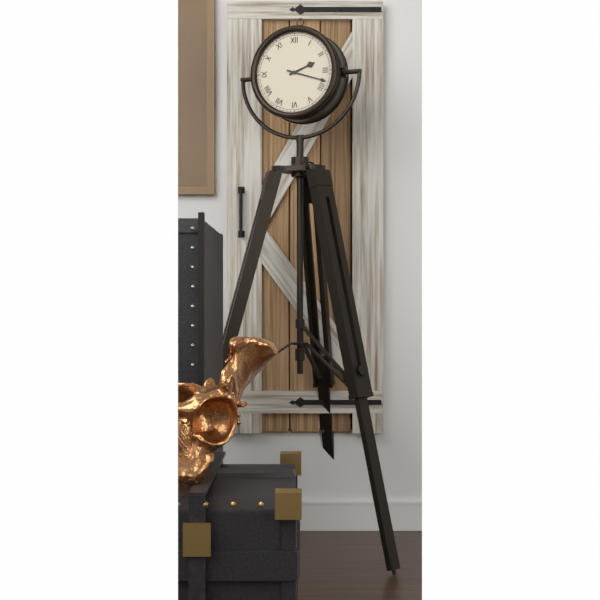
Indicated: **2:18**
